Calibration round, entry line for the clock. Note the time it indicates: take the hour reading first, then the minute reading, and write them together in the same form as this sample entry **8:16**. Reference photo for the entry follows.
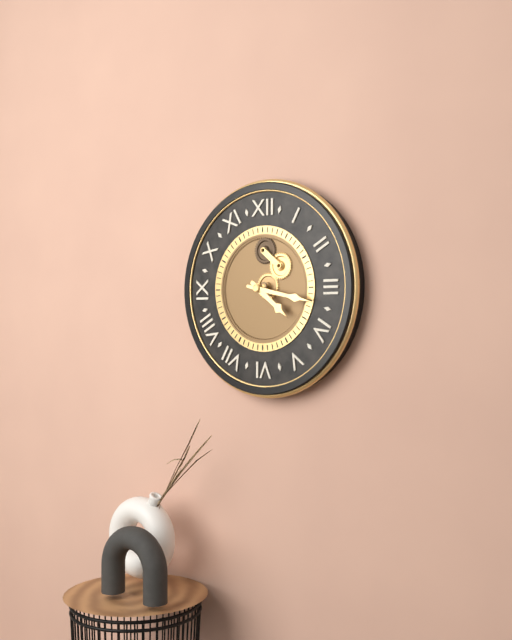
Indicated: **4:17**
